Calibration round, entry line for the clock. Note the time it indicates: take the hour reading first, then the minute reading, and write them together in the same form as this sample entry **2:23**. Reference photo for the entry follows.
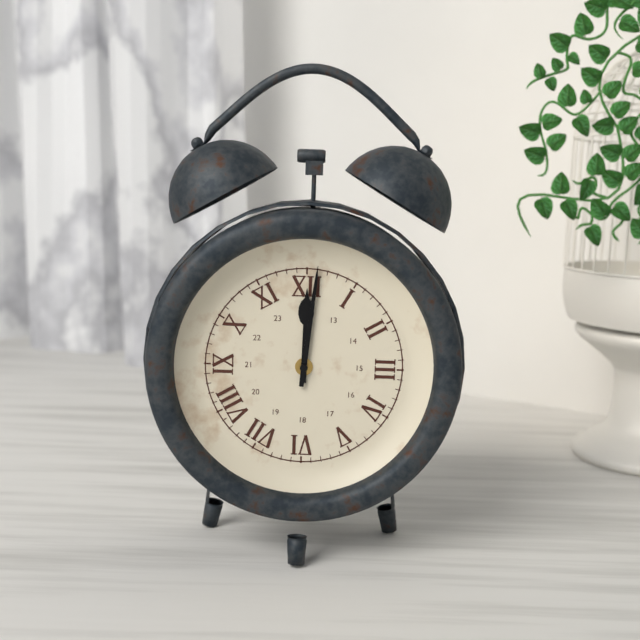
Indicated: **12:01**
